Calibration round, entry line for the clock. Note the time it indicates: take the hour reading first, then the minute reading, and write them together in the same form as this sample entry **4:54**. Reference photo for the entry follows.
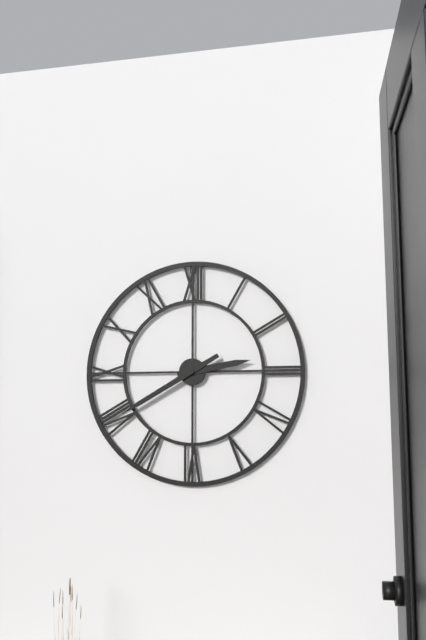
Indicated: **2:40**
